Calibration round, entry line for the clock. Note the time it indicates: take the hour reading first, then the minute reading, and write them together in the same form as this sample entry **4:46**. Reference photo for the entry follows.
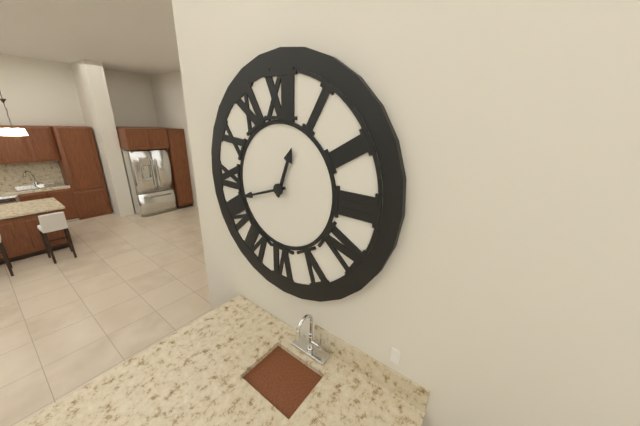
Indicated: **12:42**
